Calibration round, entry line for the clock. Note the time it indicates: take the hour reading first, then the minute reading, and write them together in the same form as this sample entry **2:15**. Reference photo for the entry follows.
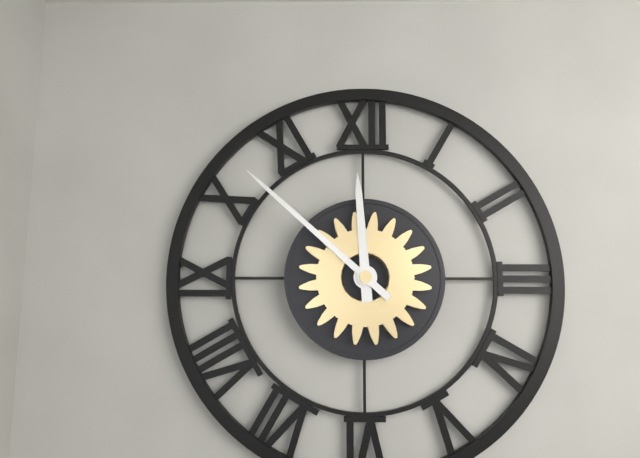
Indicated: **11:52**
